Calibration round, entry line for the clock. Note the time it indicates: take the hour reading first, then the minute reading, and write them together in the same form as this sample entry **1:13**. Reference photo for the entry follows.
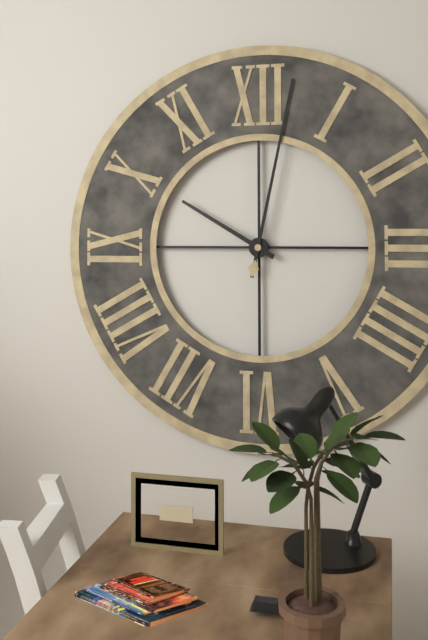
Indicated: **10:02**
